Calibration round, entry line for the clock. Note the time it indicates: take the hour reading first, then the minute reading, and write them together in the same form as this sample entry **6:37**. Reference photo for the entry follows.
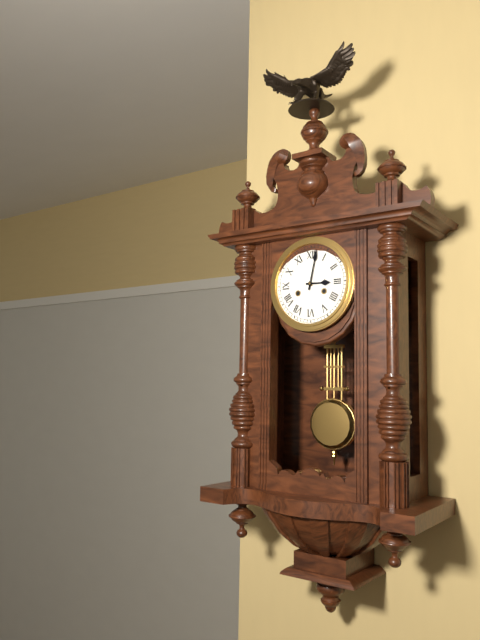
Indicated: **3:02**
